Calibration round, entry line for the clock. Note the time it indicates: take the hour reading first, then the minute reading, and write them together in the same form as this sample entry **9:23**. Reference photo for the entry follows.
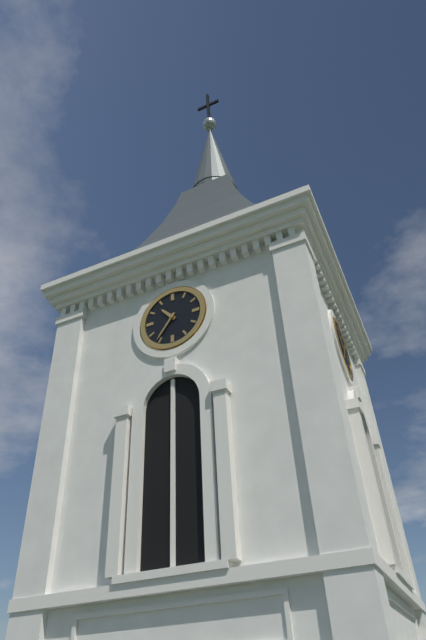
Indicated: **10:36**
